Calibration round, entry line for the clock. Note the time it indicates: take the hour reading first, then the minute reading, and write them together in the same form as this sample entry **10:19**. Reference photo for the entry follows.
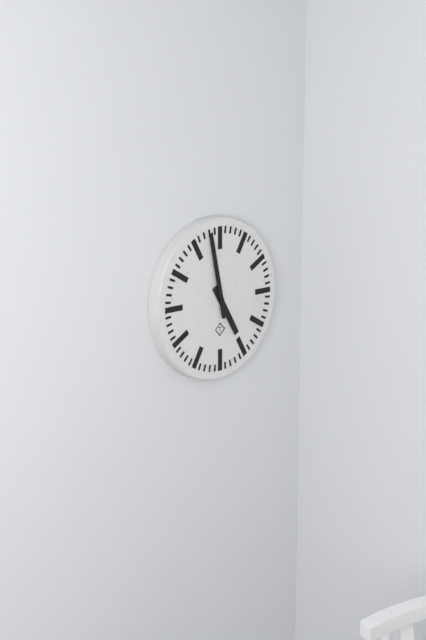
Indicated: **4:58**
